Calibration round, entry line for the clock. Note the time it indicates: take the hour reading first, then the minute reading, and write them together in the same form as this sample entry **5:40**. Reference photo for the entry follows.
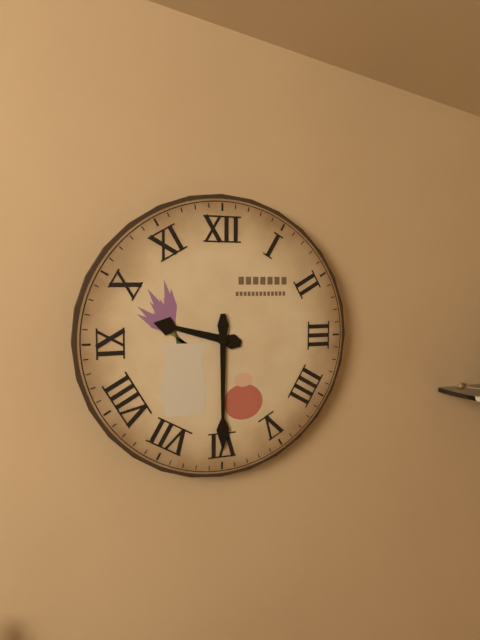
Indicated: **9:30**
